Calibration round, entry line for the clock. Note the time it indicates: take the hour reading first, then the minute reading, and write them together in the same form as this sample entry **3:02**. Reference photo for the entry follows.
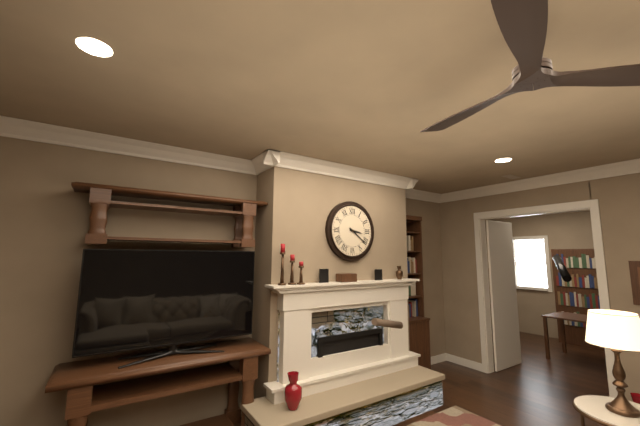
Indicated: **3:21**
